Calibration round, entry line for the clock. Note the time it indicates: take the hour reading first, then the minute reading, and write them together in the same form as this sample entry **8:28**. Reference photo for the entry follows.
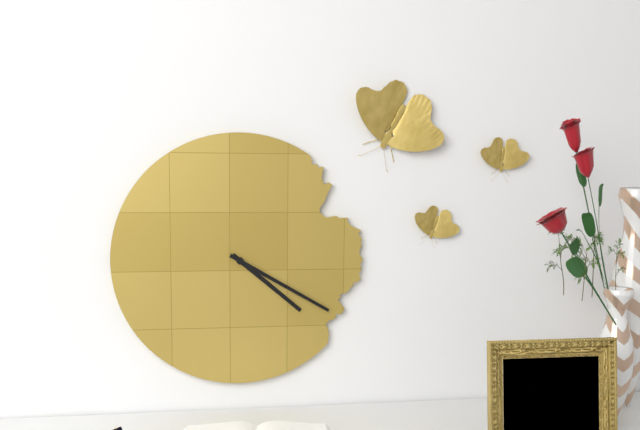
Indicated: **4:20**
